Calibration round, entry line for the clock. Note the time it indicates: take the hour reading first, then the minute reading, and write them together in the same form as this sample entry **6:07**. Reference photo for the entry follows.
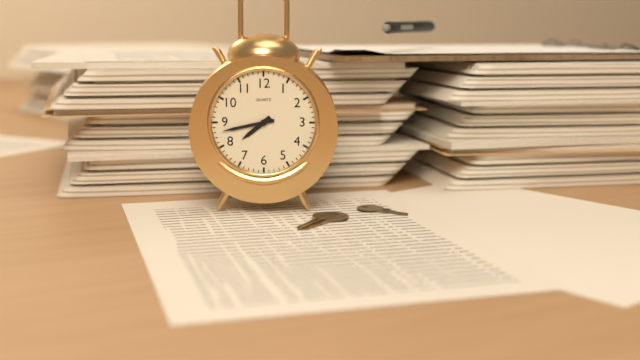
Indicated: **7:43**
